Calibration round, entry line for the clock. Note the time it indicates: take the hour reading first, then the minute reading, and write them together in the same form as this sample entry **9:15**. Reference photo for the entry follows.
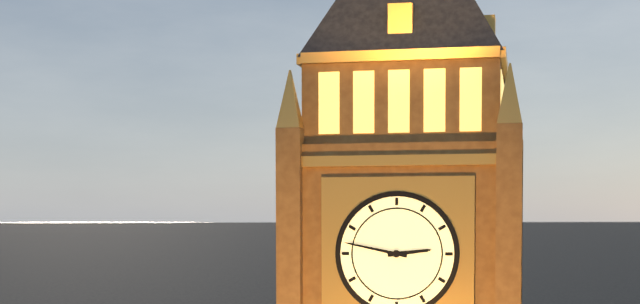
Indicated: **2:47**
